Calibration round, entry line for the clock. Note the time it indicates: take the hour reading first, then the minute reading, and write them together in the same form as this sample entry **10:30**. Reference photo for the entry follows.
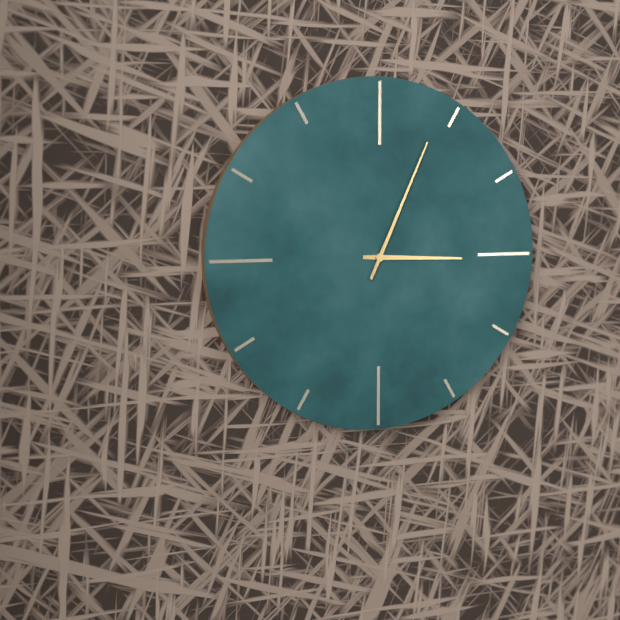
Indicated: **3:04**
